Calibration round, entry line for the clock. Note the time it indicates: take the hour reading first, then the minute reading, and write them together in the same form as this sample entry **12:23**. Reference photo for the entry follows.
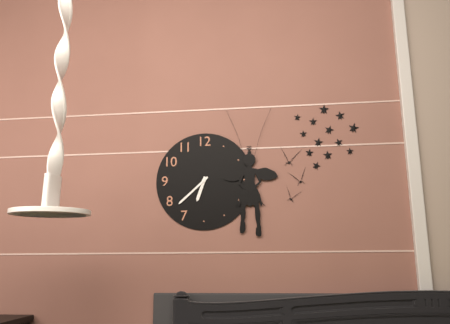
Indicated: **6:38**
